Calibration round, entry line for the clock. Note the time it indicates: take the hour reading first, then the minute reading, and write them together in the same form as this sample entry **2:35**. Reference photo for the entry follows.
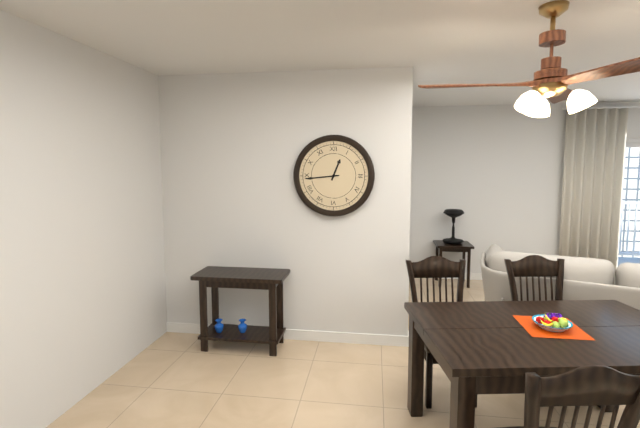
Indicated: **12:44**
